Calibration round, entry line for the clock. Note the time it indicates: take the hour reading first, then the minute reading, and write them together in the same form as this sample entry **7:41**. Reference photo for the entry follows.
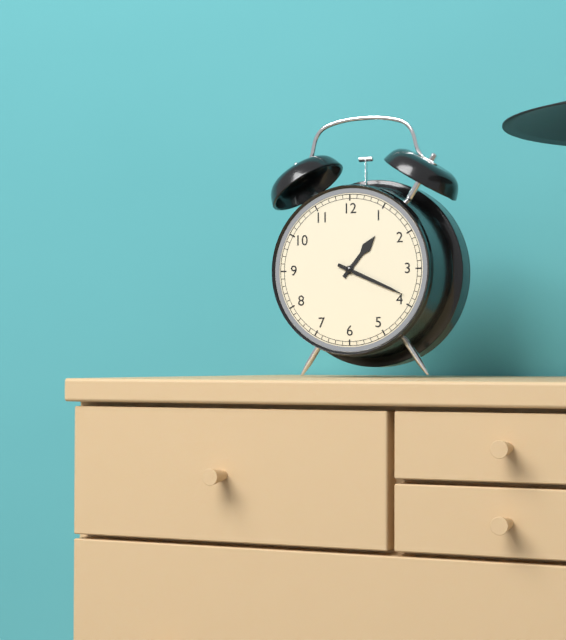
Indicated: **1:19**
